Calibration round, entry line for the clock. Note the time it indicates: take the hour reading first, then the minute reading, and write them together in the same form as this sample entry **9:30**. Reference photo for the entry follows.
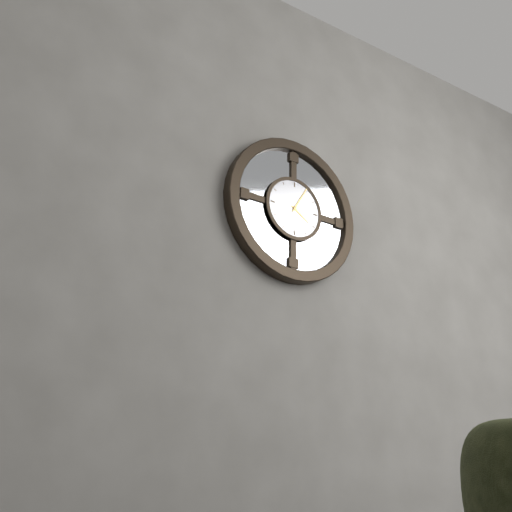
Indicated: **4:05**
